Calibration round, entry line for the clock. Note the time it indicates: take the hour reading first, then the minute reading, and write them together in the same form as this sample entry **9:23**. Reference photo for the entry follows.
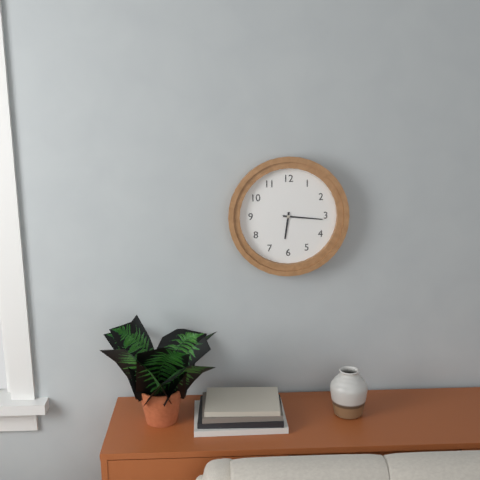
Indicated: **6:16**
